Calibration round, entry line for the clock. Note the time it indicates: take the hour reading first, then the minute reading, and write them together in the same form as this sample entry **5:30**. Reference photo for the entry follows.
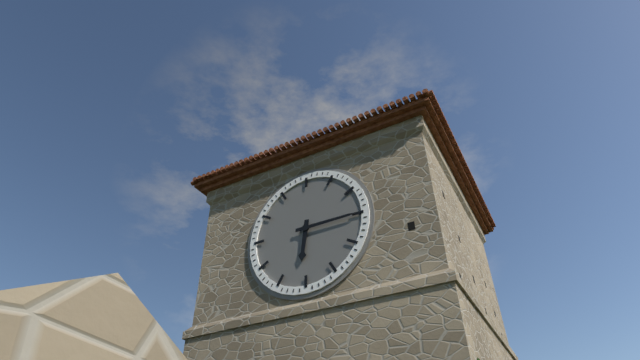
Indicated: **6:15**
